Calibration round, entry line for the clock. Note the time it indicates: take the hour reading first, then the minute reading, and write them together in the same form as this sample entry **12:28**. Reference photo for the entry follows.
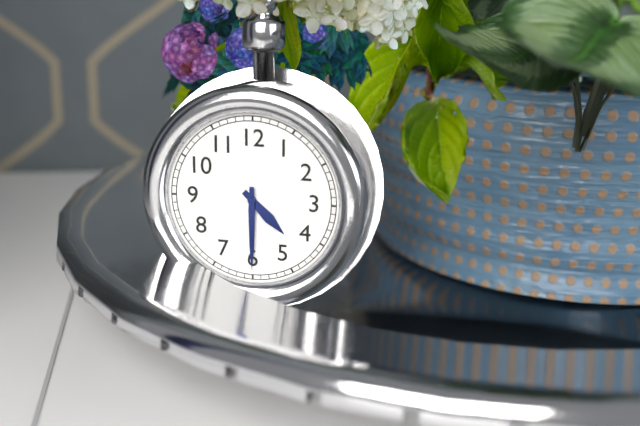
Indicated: **4:30**
